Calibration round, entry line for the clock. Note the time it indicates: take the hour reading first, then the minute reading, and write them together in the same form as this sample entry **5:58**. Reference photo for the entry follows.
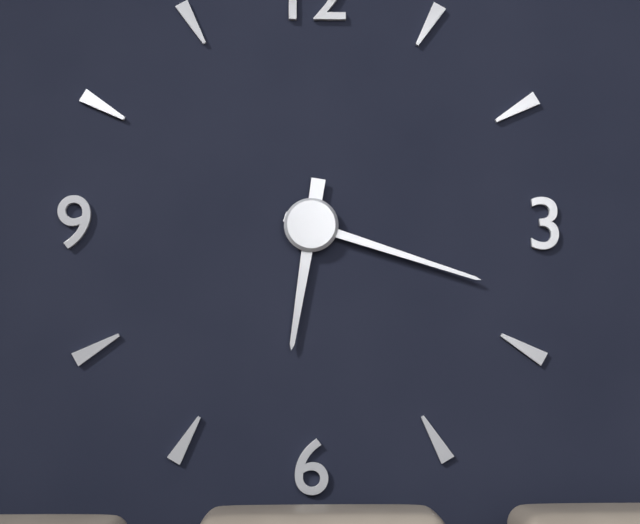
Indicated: **6:18**
